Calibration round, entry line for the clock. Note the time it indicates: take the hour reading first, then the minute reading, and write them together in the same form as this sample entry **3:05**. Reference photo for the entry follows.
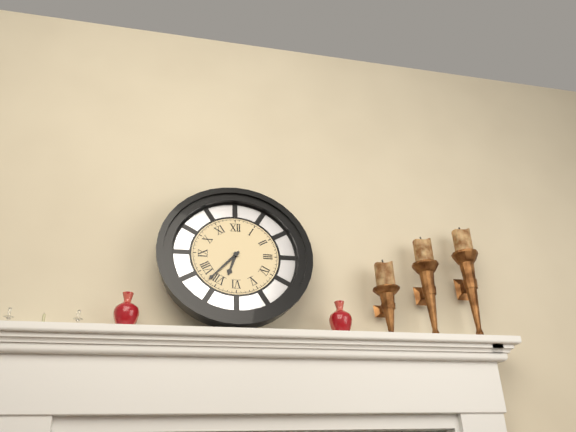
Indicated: **6:37**
